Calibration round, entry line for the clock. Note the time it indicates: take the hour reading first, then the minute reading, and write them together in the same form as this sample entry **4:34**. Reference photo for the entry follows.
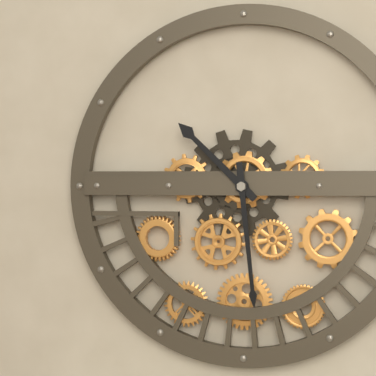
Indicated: **10:29**
